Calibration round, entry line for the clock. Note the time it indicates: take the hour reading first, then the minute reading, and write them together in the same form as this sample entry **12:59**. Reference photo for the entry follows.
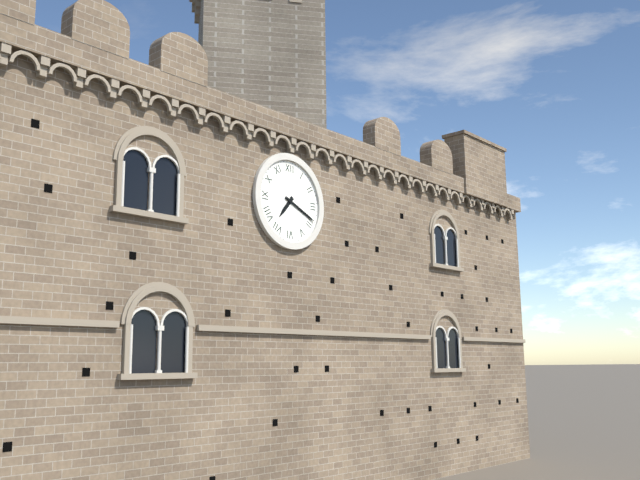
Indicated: **7:19**
